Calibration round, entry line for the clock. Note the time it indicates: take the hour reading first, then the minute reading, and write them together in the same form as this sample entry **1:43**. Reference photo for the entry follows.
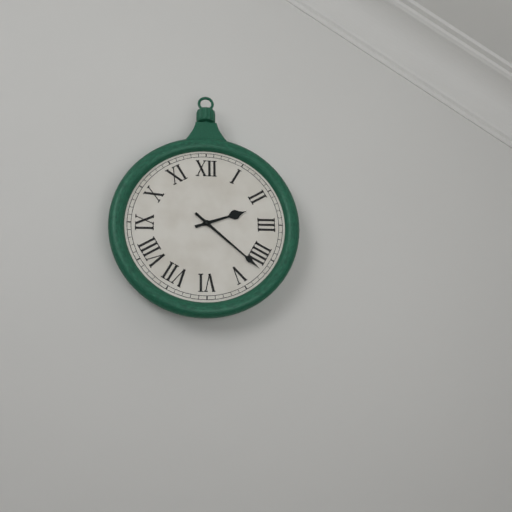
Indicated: **2:22**
